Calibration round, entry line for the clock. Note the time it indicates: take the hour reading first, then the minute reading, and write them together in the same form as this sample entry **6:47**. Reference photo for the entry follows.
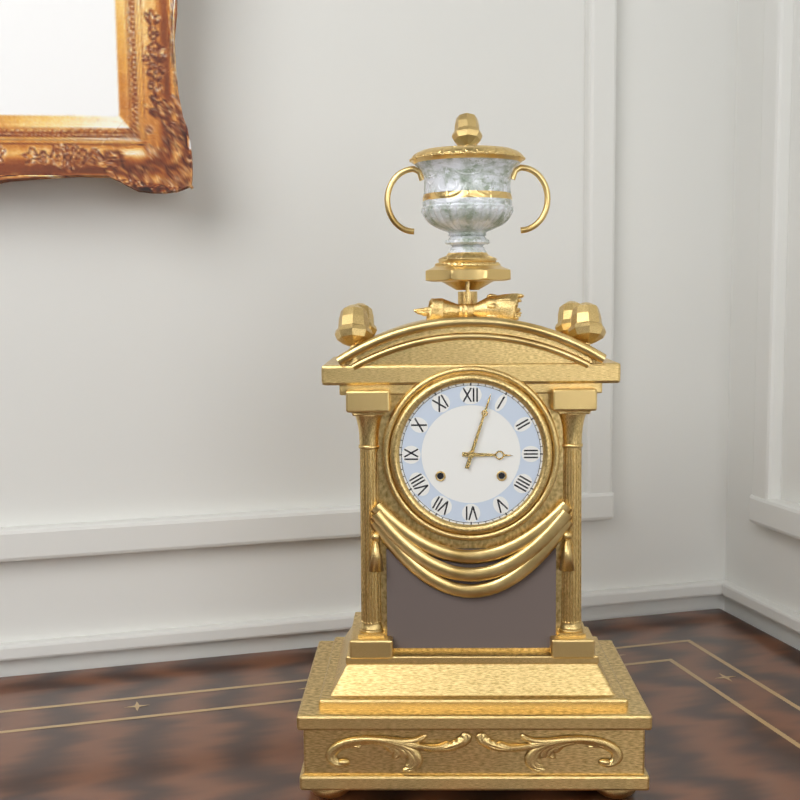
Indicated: **3:03**
